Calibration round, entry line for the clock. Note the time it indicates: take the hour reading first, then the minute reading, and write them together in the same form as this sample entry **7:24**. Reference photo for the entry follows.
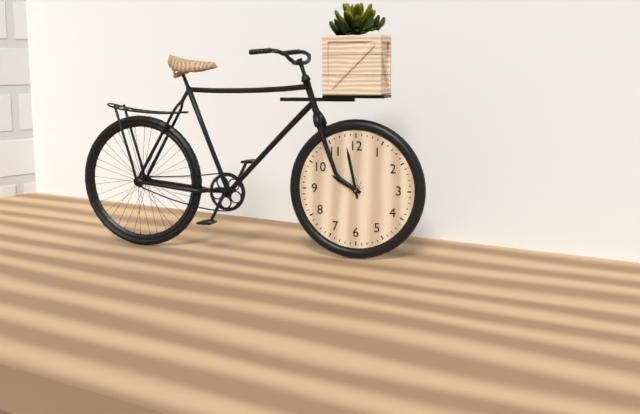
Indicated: **9:58**
